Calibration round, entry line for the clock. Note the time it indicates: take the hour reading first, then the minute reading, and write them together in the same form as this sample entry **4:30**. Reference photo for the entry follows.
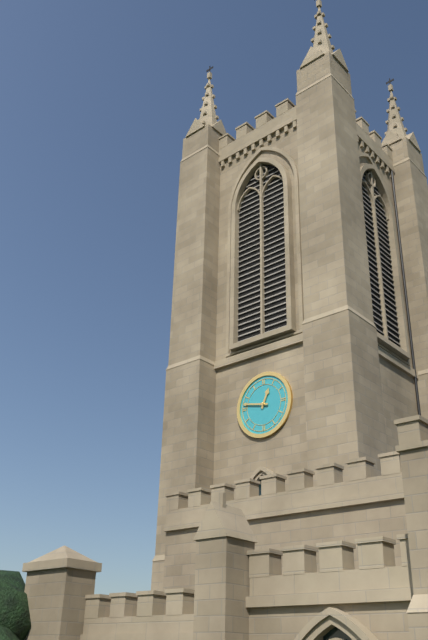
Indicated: **12:47**
